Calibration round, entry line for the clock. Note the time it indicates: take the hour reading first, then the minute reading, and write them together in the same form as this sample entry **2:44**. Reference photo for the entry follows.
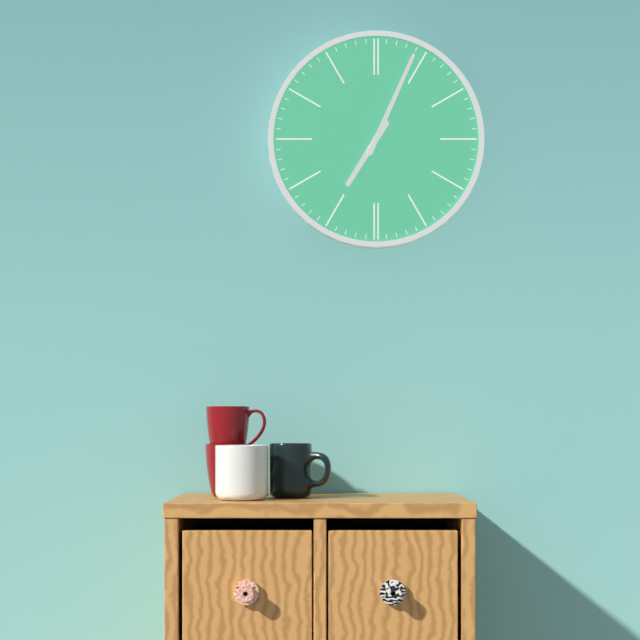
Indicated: **7:04**
